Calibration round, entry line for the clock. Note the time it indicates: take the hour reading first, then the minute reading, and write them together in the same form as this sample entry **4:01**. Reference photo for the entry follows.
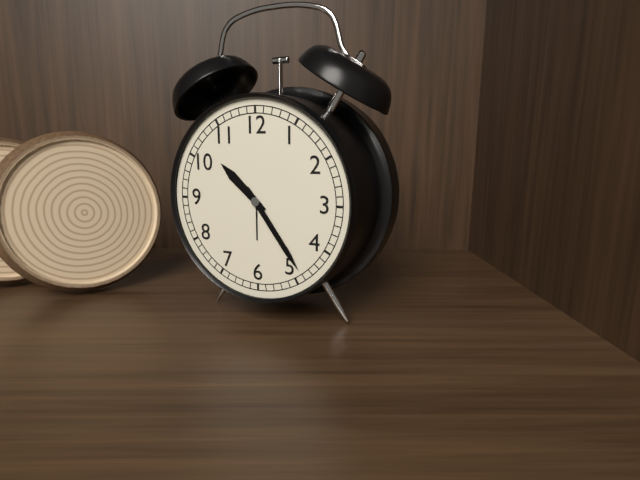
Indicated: **10:24**
